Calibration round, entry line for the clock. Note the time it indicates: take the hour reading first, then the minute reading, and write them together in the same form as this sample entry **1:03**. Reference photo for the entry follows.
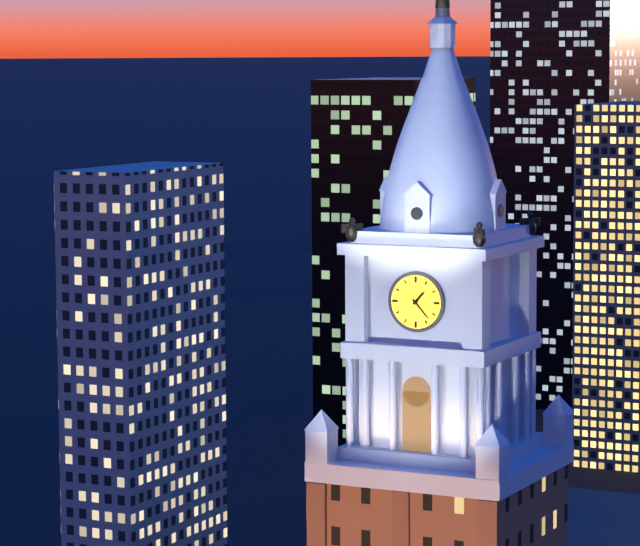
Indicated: **1:23**
